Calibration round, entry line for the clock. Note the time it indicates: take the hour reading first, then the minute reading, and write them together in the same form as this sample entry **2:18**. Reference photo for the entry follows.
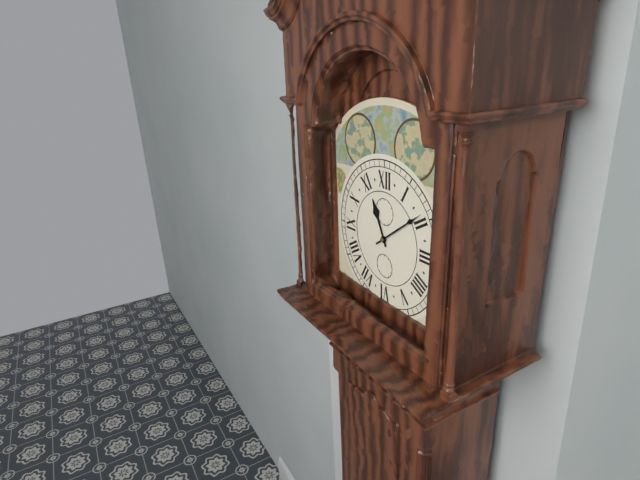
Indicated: **11:09**
